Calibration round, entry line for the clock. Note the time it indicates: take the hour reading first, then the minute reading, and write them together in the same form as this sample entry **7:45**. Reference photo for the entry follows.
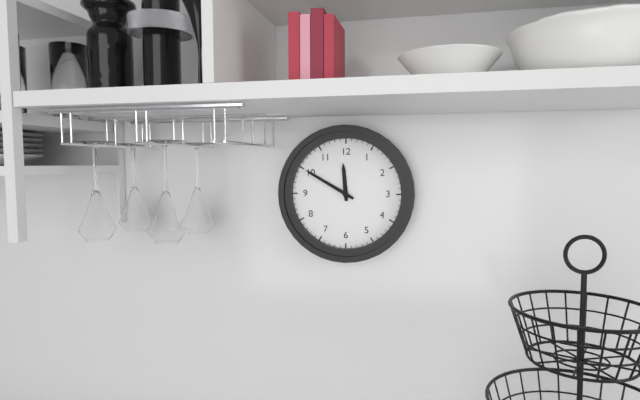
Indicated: **11:50**
